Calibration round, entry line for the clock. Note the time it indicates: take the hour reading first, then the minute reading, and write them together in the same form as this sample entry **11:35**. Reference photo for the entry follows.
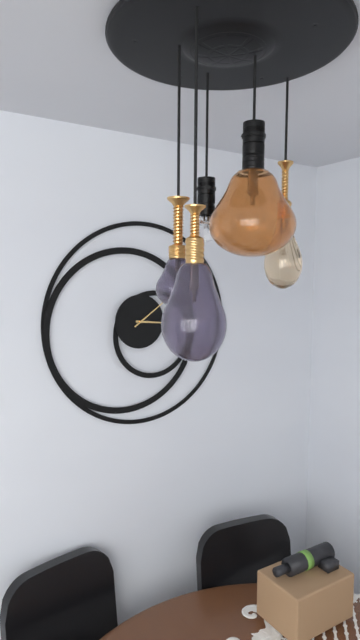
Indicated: **3:09**
